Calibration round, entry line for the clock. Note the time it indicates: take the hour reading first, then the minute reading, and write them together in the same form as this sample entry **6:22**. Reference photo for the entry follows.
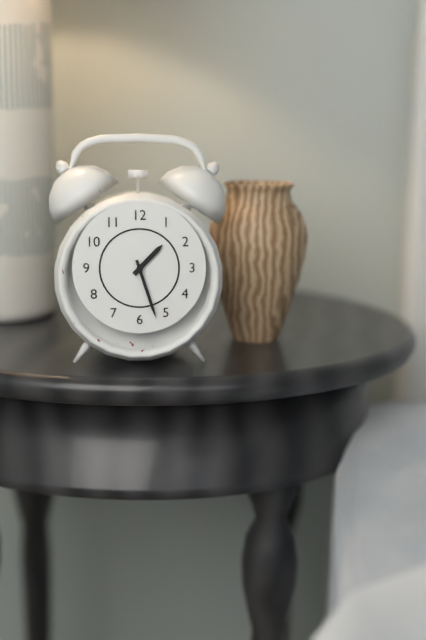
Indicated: **1:27**
